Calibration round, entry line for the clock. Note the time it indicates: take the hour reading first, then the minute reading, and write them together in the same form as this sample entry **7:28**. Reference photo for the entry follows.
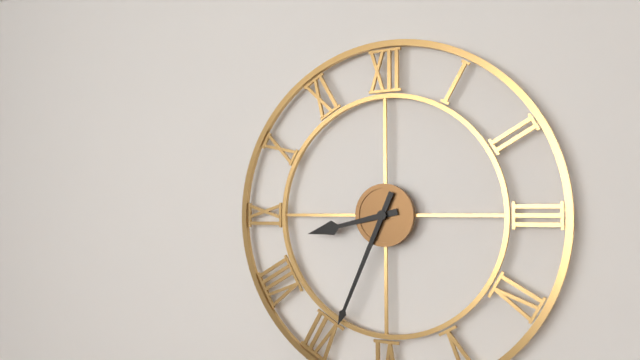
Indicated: **8:34**
